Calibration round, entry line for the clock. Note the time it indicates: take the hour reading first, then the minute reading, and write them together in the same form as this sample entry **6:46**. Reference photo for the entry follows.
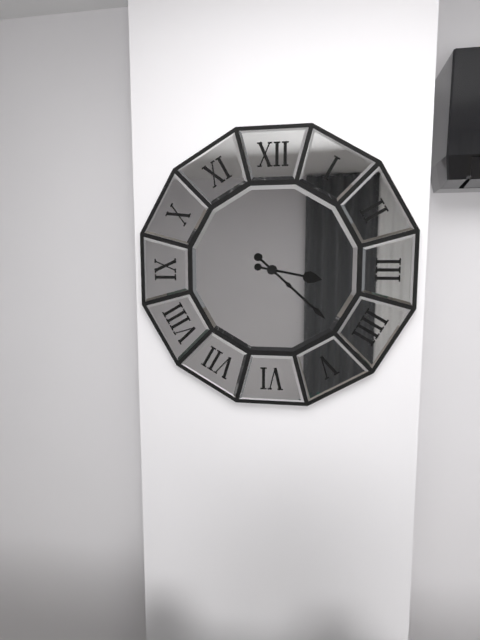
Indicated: **3:22**
